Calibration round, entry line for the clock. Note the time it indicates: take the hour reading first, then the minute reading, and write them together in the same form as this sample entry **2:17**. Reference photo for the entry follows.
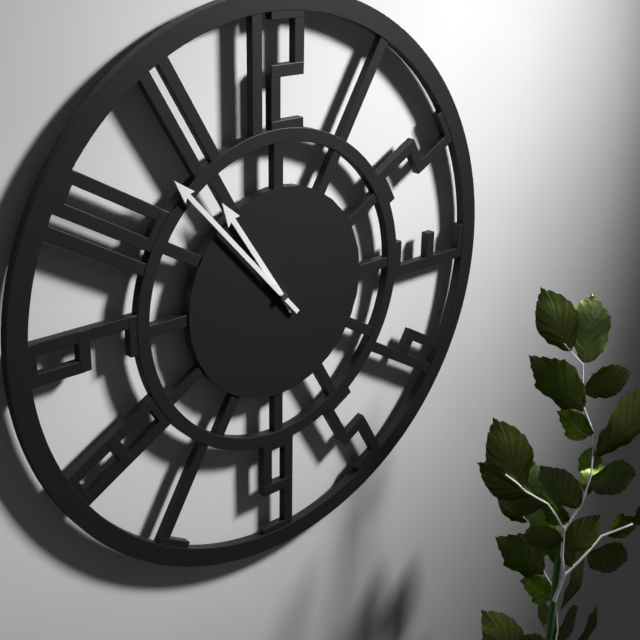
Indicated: **10:53**
